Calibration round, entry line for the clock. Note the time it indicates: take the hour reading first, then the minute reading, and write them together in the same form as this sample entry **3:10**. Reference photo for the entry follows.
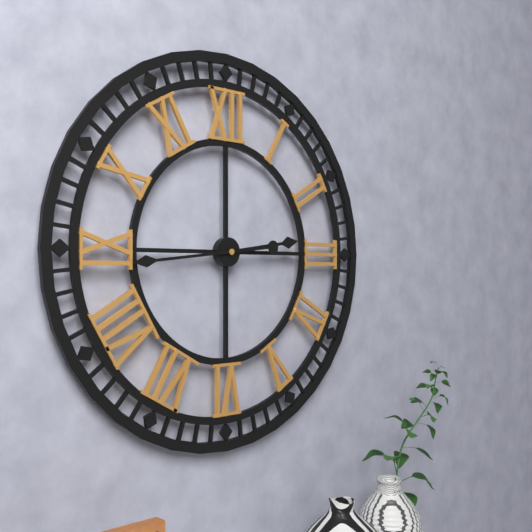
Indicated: **2:44**
